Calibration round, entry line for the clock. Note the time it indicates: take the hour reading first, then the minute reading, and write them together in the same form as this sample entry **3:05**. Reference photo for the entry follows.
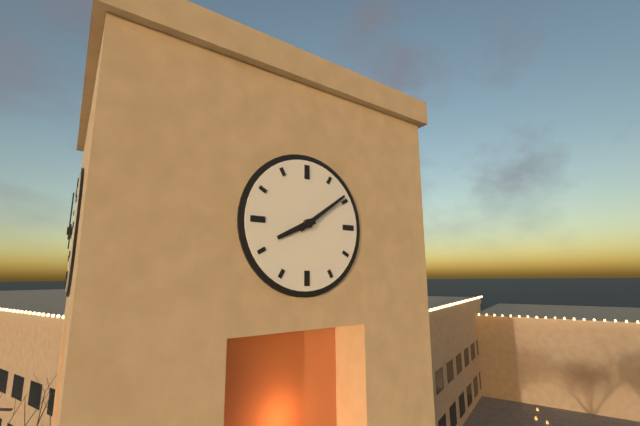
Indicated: **8:09**
